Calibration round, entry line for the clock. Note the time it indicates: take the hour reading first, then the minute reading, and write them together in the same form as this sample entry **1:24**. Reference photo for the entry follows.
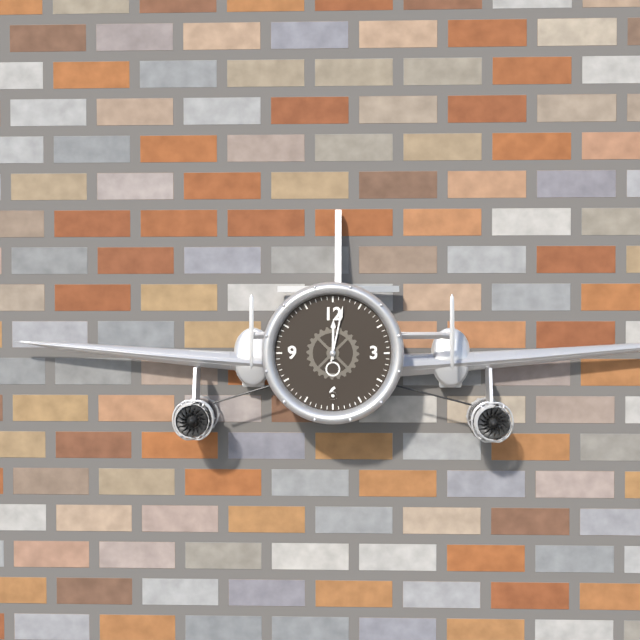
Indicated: **12:02**
